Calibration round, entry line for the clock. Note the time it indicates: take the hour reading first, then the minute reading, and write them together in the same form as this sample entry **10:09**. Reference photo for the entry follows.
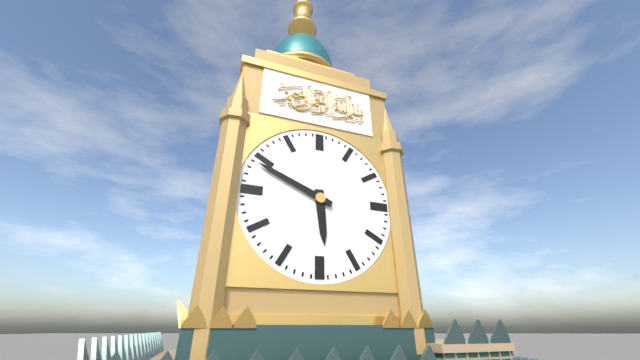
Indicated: **5:49**
